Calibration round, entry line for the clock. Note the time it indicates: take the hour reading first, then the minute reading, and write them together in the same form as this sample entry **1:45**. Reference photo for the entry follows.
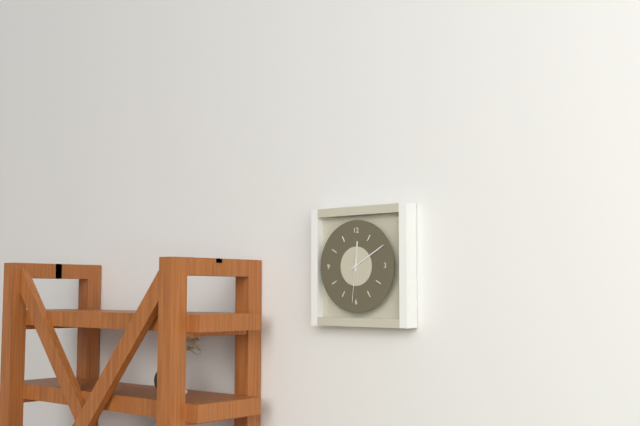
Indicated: **12:10**
